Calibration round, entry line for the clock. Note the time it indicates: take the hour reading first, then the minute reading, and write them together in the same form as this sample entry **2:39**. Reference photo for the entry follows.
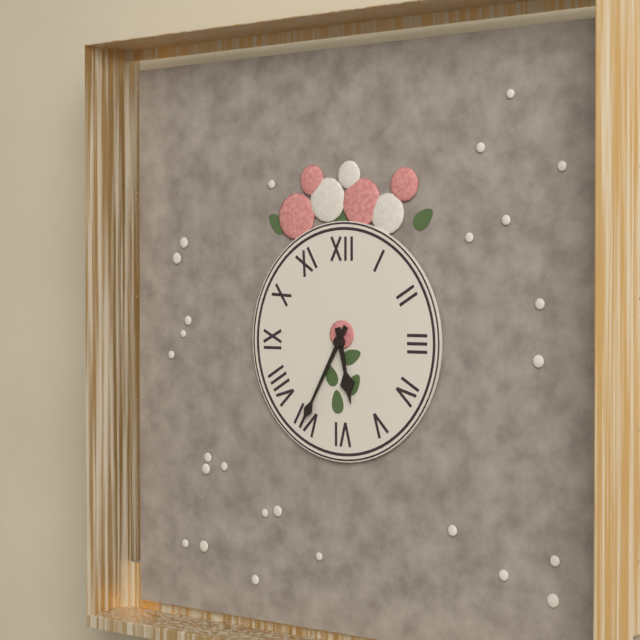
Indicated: **5:35**
